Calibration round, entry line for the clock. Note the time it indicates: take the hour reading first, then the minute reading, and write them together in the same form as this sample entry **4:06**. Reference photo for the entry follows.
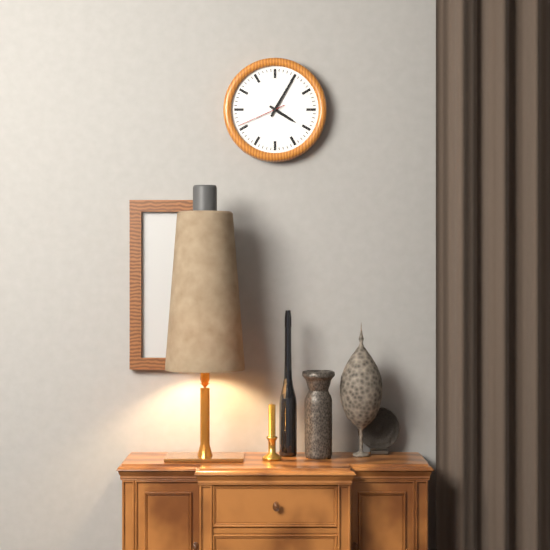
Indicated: **4:05**
